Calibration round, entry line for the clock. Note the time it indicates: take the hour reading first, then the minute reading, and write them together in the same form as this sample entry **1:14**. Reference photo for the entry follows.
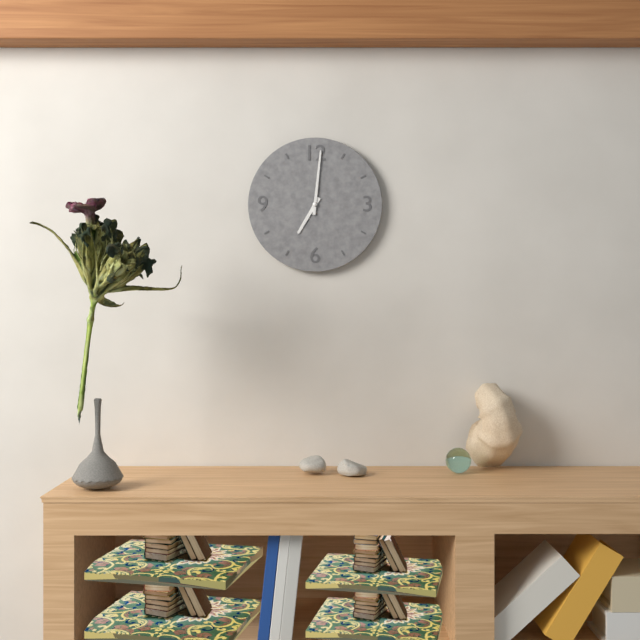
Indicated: **7:01**
